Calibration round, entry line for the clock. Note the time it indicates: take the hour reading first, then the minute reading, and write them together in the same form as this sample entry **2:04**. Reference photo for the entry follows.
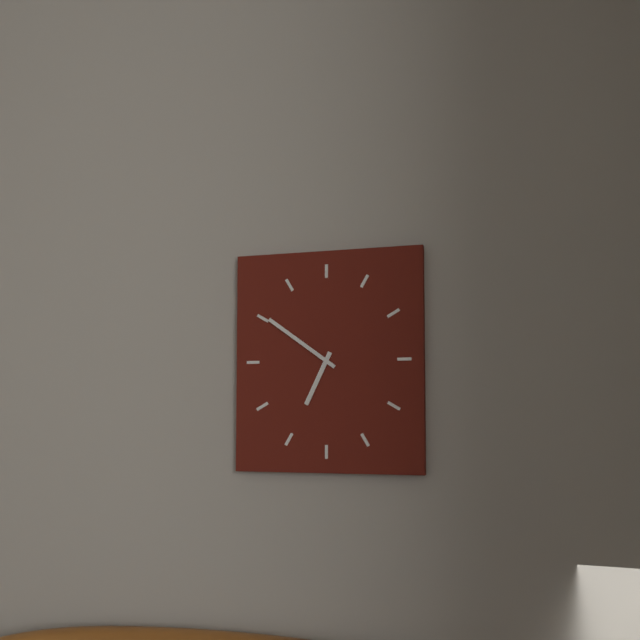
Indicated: **6:51**
